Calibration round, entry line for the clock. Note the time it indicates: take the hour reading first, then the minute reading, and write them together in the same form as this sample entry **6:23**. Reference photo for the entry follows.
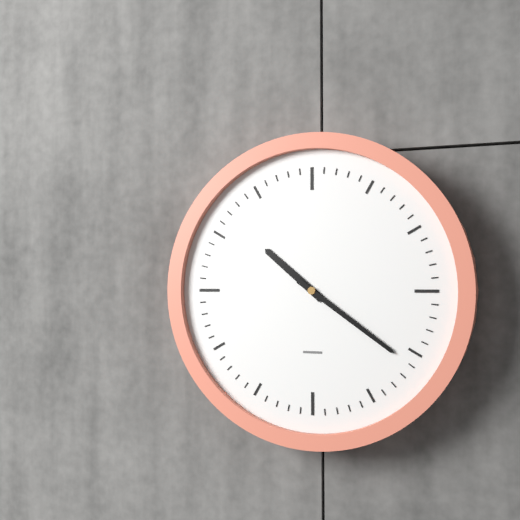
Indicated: **10:21**
